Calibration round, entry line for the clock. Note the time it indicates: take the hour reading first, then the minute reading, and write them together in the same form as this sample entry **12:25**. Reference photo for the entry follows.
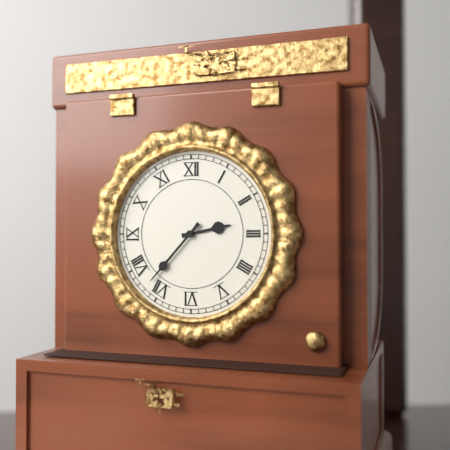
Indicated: **2:37**
